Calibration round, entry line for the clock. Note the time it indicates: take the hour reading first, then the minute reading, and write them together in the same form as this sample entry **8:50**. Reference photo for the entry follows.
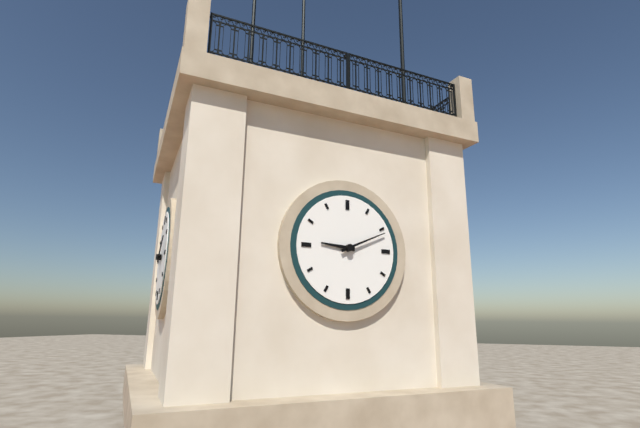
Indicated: **9:11**
